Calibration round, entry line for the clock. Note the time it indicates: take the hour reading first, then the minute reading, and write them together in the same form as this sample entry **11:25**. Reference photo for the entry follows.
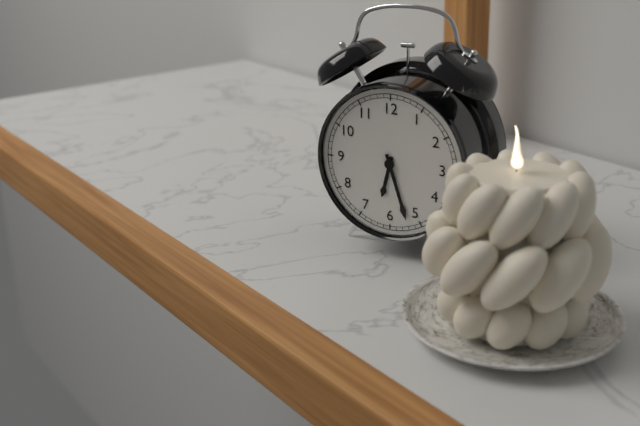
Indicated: **6:27**
